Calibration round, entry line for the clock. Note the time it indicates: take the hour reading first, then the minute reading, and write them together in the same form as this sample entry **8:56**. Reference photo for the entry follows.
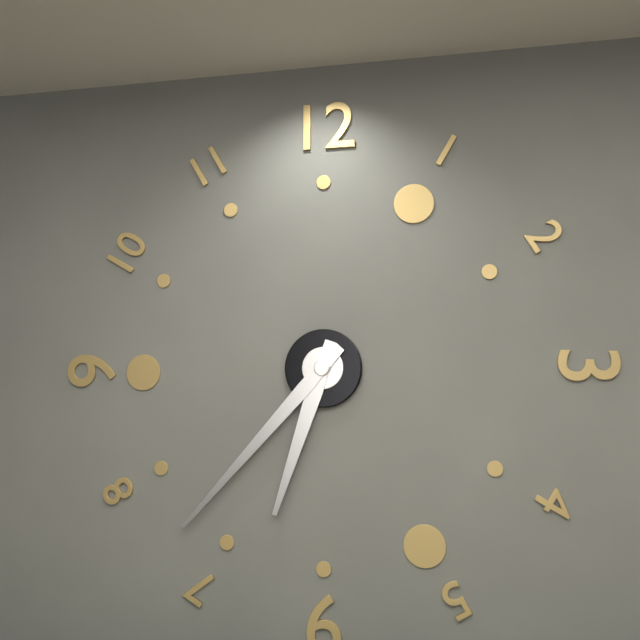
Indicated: **6:37**
